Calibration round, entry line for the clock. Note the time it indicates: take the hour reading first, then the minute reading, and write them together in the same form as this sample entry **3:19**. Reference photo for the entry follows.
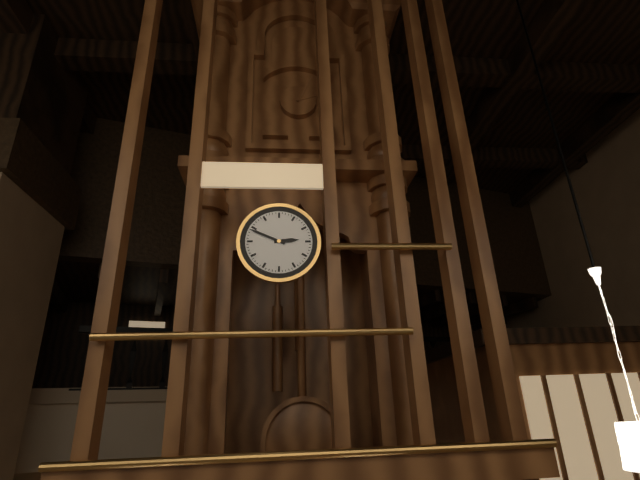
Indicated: **2:49**
